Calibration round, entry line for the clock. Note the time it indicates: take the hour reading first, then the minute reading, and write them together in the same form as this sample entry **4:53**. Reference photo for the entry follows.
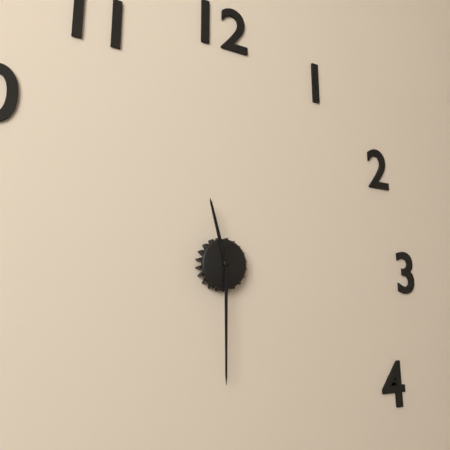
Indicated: **11:30**
